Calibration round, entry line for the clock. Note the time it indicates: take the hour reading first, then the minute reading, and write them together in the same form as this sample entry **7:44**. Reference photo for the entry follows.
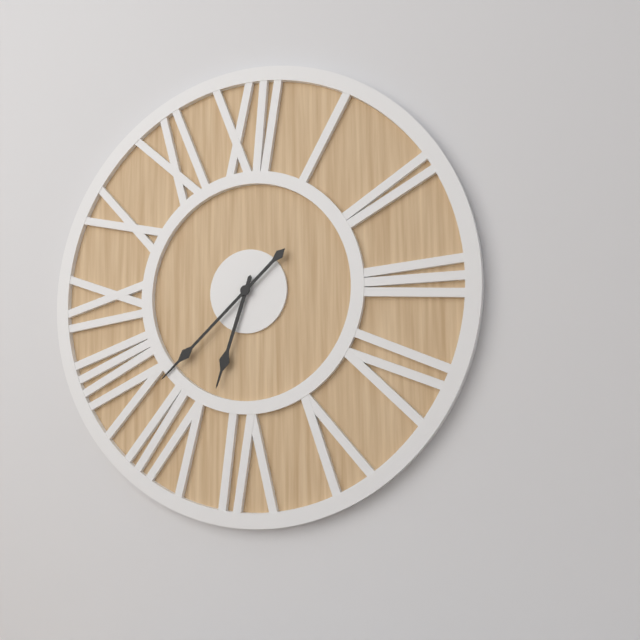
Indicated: **6:38**
